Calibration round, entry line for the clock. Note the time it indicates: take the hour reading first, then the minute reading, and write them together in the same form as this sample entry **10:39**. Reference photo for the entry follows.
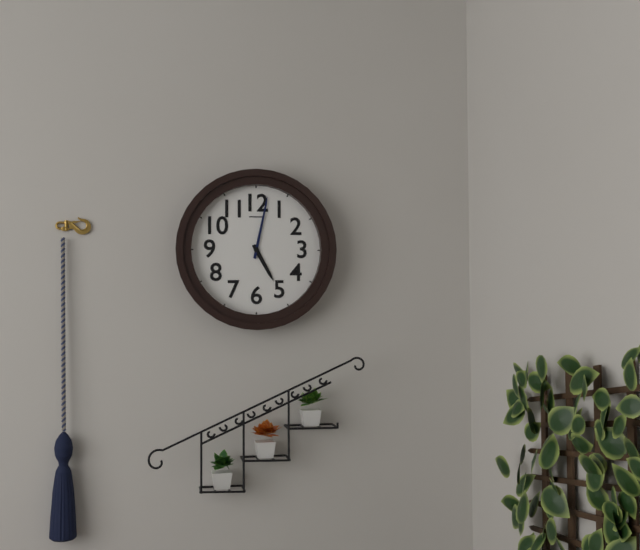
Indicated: **5:02**
